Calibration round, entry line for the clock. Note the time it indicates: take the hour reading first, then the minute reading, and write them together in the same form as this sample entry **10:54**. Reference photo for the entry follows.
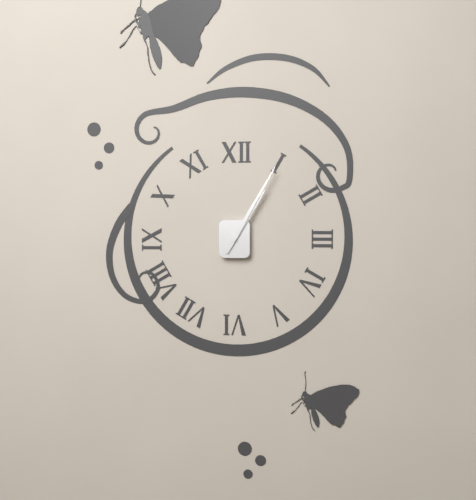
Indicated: **1:05**
